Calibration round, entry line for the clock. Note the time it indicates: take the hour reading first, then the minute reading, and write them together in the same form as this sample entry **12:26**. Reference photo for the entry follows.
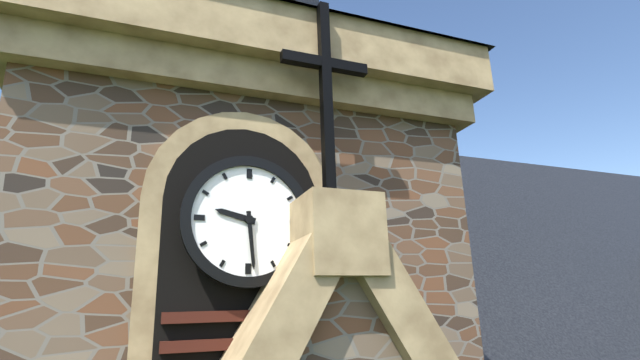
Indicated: **9:29**
